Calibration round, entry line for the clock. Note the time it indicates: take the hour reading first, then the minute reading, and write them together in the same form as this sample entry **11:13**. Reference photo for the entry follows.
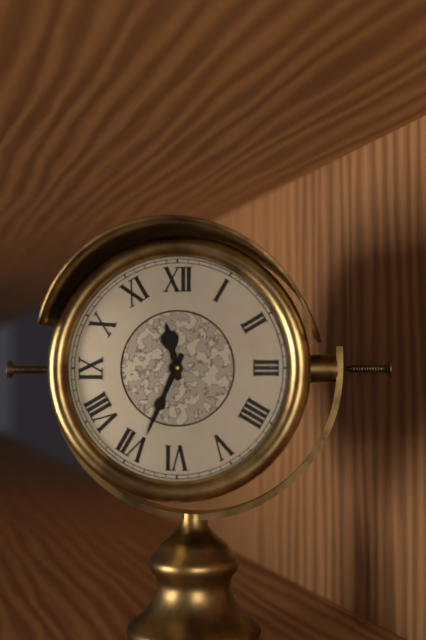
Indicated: **11:34**
